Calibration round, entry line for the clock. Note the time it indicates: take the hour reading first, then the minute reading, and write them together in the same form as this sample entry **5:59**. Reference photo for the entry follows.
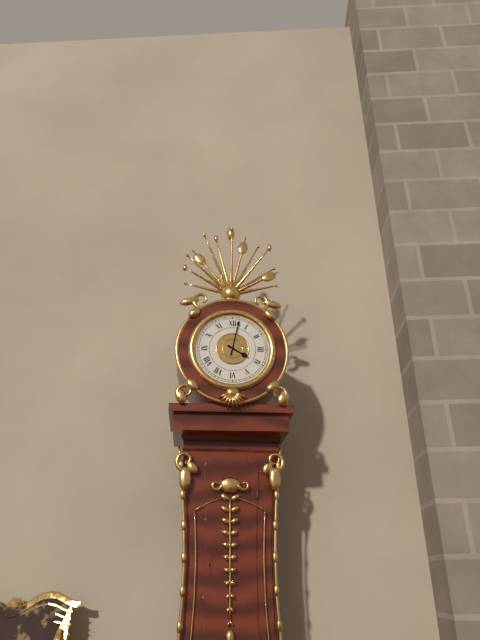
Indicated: **4:02**
